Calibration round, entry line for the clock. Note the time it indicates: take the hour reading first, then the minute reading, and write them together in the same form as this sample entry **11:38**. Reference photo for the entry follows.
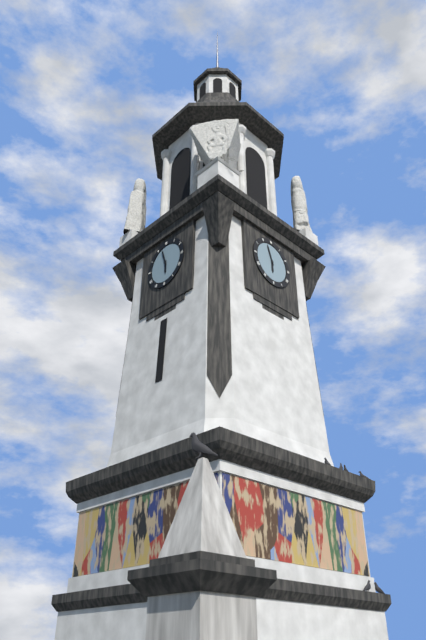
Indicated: **5:57**
